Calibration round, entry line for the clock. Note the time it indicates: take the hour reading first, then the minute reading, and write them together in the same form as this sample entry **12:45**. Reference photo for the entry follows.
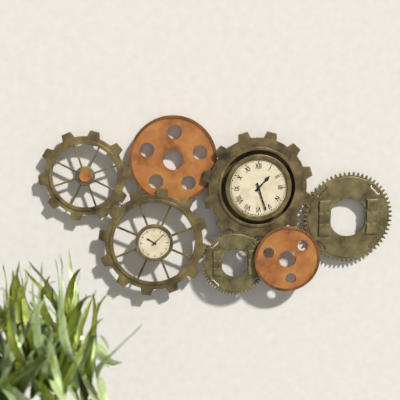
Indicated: **1:27**
